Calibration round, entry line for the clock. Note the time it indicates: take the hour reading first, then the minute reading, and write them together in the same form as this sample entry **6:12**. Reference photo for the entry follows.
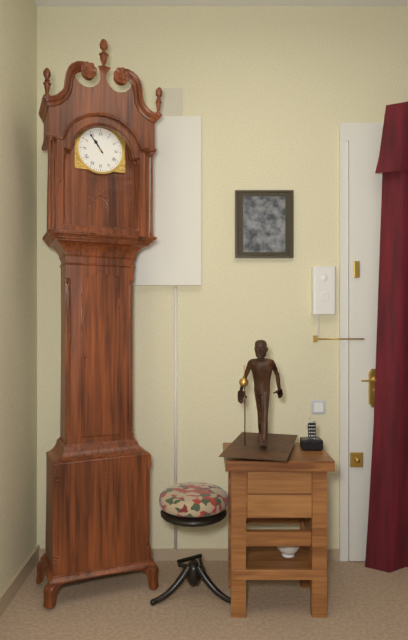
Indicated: **10:54**
